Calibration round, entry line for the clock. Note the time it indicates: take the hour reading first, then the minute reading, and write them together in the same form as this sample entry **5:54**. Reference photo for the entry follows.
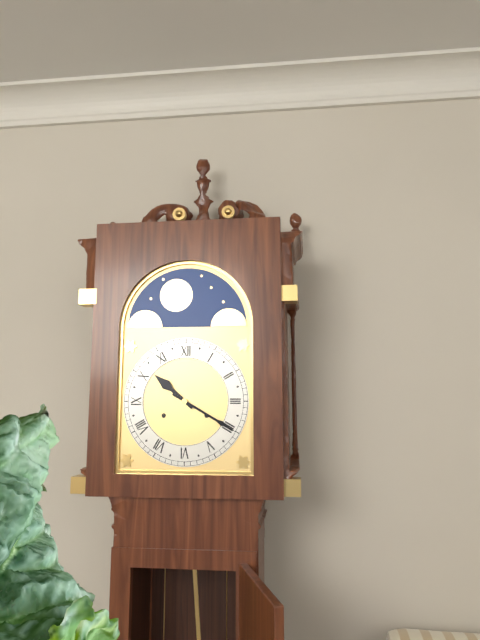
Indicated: **10:20**
